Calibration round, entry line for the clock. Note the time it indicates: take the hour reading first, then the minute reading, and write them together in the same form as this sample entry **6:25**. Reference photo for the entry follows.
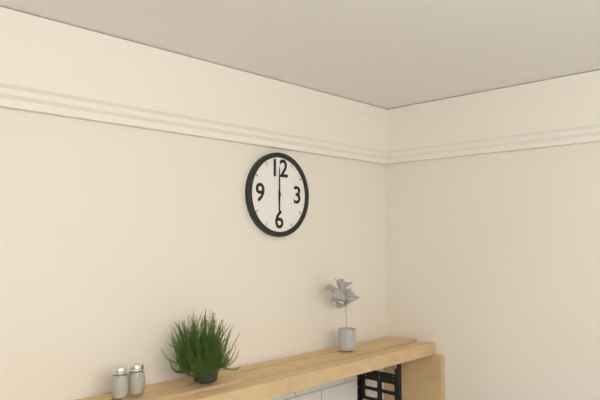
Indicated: **6:00**
